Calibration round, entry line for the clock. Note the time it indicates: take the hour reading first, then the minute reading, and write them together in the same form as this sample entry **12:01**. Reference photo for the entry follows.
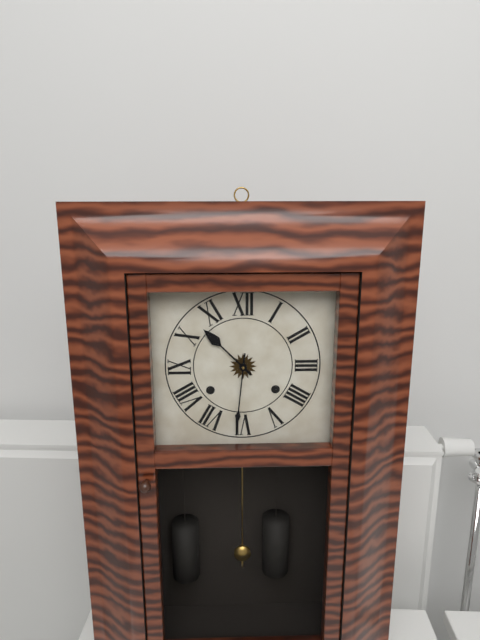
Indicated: **10:31**
